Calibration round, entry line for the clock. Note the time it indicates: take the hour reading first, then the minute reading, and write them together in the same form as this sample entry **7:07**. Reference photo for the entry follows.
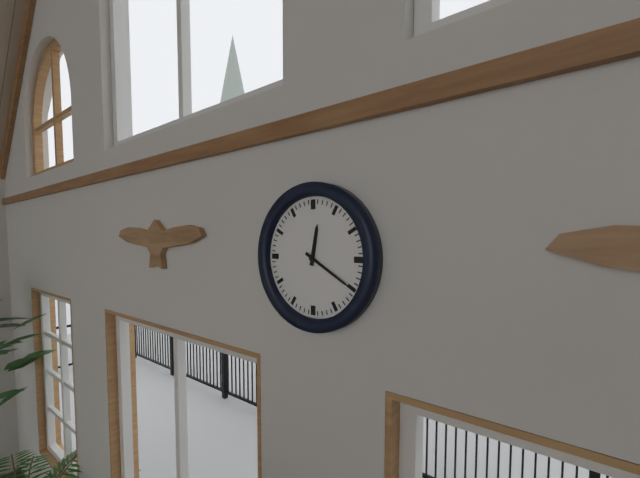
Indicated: **12:20**
